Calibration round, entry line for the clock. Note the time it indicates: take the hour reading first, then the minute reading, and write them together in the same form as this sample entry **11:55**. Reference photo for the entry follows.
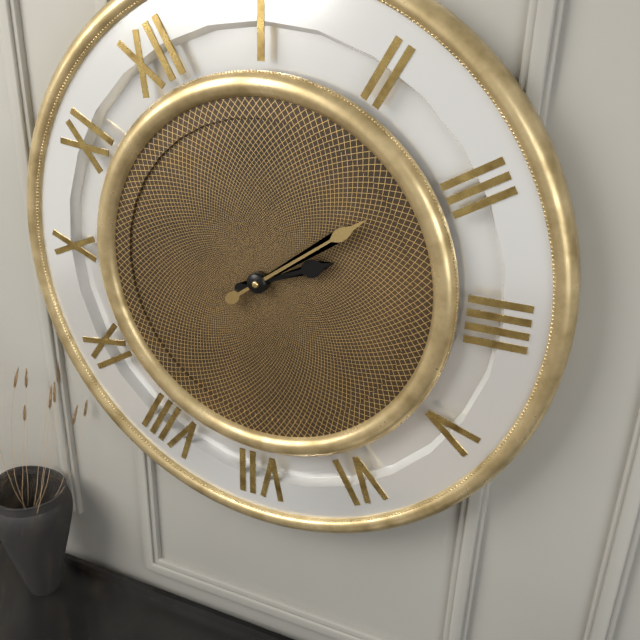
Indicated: **3:14**
